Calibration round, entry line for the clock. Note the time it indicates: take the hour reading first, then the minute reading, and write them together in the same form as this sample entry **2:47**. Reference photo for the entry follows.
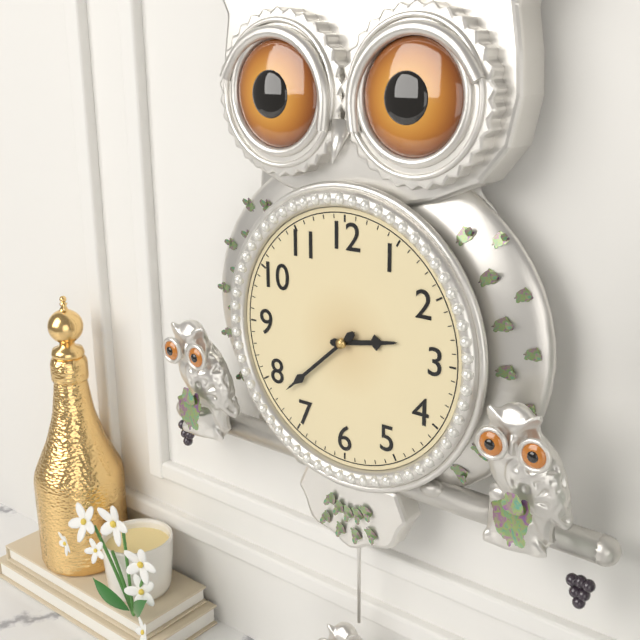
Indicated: **2:38**
